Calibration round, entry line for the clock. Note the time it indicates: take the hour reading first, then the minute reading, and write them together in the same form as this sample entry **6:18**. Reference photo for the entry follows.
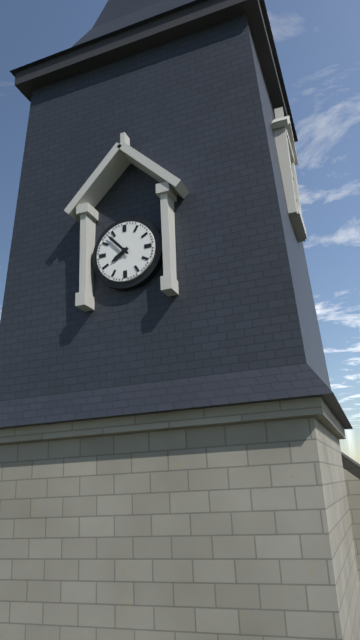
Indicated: **7:53**
